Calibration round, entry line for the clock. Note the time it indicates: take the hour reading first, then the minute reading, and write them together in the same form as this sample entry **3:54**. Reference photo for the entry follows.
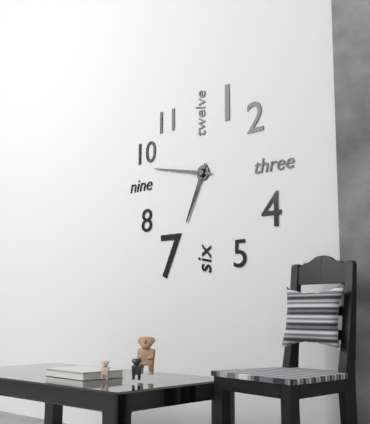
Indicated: **6:47**
